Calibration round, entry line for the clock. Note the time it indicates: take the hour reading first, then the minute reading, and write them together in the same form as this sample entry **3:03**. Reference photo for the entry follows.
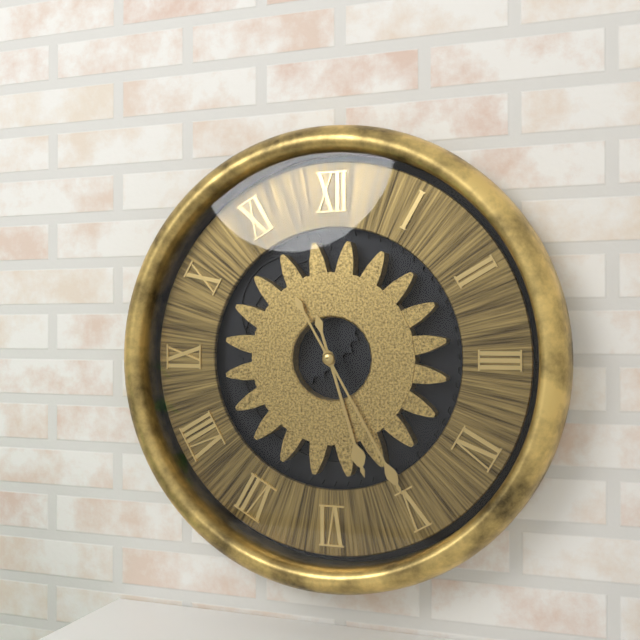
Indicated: **5:25**
